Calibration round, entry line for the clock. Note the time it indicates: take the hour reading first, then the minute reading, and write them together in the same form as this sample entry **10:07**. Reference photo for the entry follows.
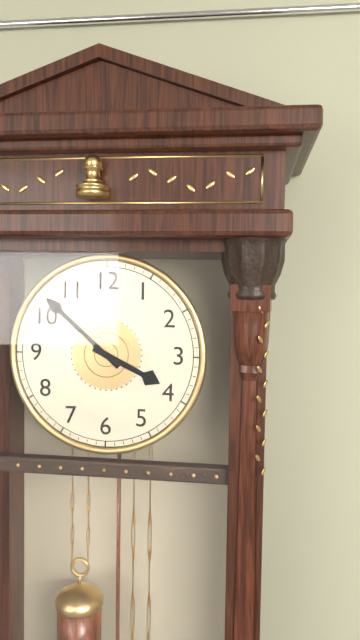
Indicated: **3:52**
